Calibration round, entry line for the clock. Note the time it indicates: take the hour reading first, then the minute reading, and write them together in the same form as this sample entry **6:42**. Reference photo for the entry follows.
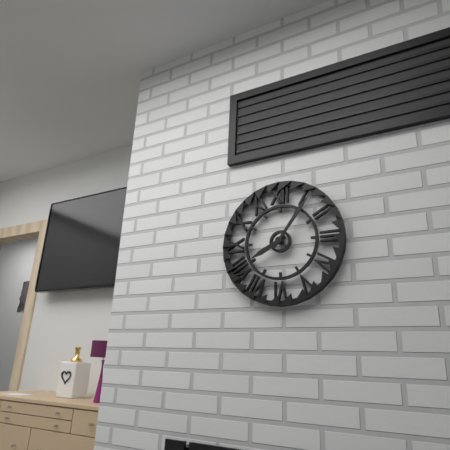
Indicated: **8:06**
